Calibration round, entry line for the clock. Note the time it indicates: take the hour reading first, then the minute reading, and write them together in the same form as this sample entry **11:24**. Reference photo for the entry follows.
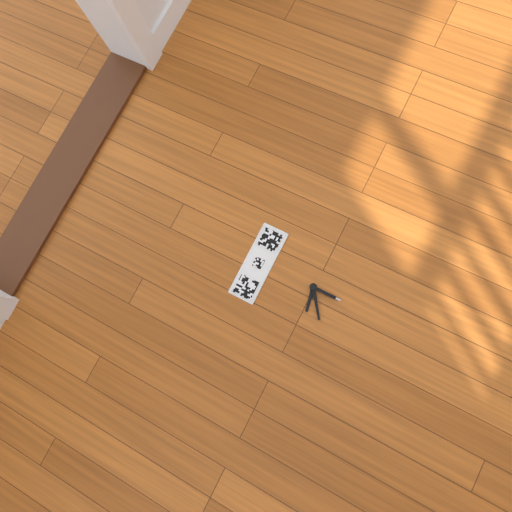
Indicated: **8:39**
